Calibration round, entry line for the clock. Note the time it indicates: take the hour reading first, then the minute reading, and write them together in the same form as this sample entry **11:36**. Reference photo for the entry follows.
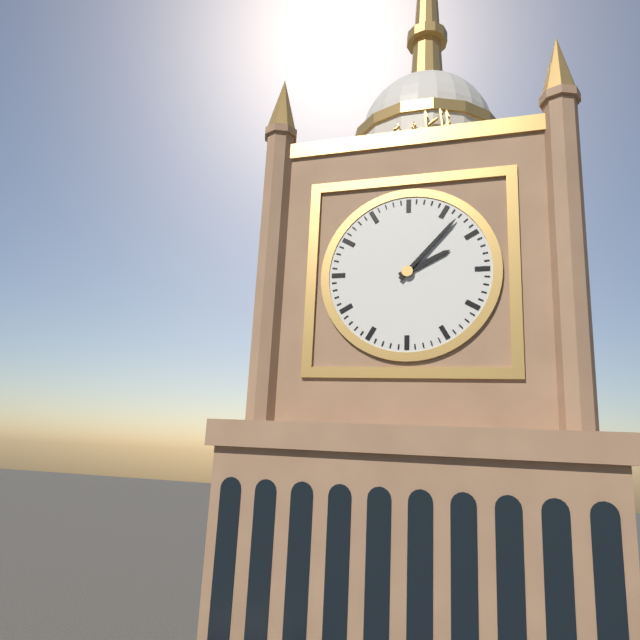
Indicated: **2:07**
